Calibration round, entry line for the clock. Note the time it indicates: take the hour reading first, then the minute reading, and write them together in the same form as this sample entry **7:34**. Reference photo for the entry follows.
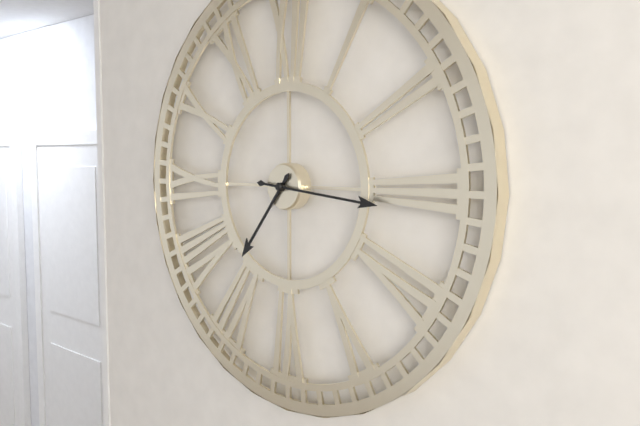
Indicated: **7:16**
